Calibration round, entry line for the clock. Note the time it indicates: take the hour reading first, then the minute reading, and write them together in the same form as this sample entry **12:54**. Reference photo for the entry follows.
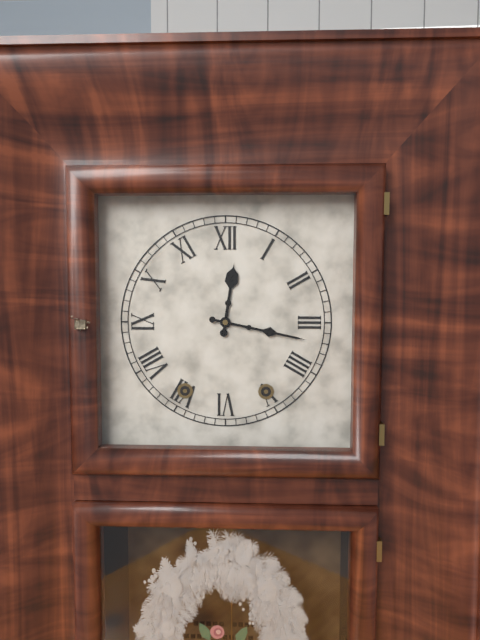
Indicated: **12:17**
